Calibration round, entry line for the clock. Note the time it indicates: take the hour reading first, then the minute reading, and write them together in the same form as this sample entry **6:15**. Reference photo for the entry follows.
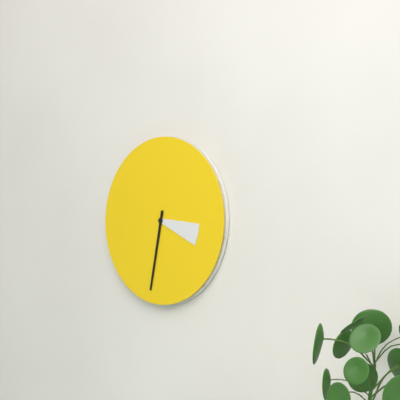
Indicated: **3:32**
